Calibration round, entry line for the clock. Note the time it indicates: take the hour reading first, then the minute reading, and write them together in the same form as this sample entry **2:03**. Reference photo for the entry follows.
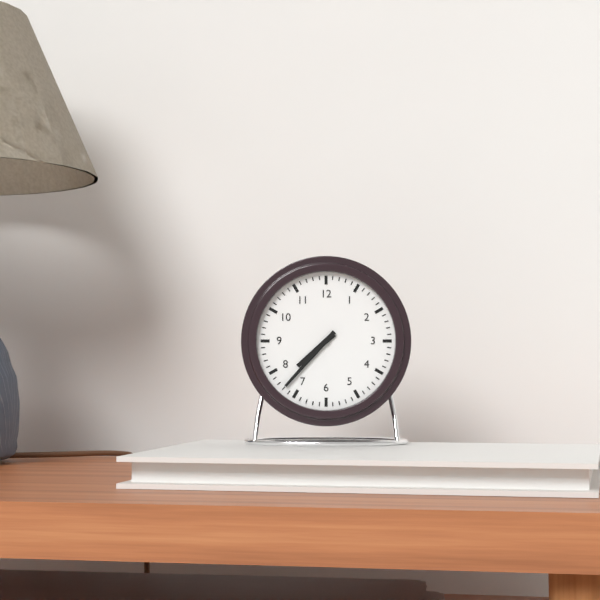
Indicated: **7:37**
